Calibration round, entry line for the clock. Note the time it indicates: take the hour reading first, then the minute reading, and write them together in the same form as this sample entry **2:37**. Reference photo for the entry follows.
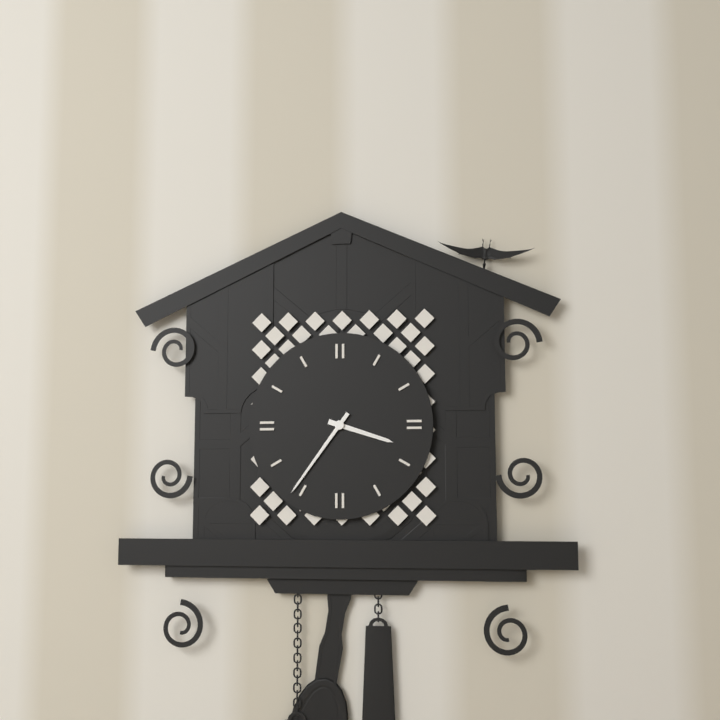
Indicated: **3:36**
